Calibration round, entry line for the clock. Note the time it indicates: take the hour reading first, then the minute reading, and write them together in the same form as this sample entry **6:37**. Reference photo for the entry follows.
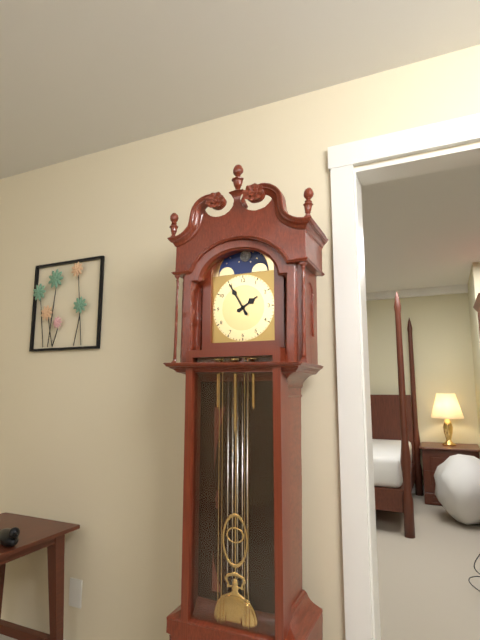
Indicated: **1:55**
